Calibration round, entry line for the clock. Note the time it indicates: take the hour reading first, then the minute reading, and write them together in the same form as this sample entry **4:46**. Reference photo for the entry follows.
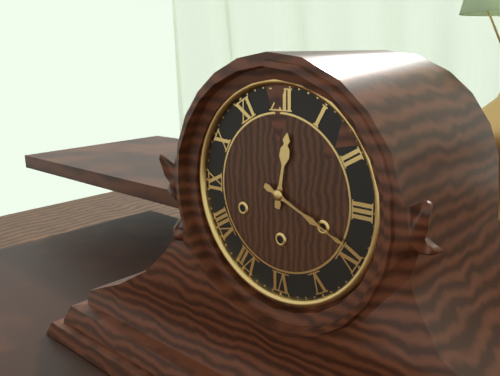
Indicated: **12:19**
